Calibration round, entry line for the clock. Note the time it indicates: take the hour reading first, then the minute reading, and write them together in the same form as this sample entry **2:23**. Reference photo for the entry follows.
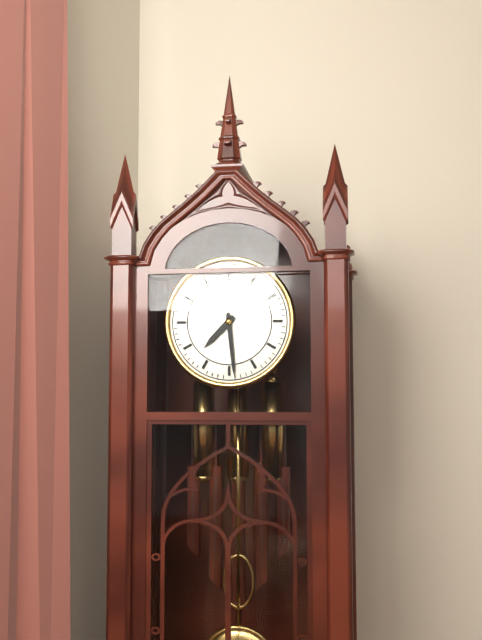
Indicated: **7:29**
